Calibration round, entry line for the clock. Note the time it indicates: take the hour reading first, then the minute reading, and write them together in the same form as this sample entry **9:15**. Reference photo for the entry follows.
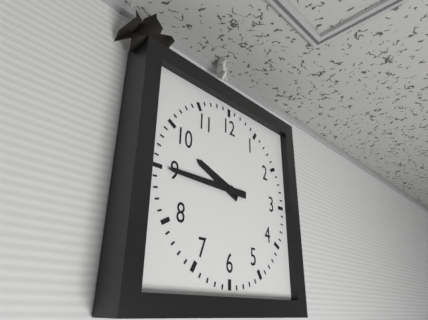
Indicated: **9:45**
